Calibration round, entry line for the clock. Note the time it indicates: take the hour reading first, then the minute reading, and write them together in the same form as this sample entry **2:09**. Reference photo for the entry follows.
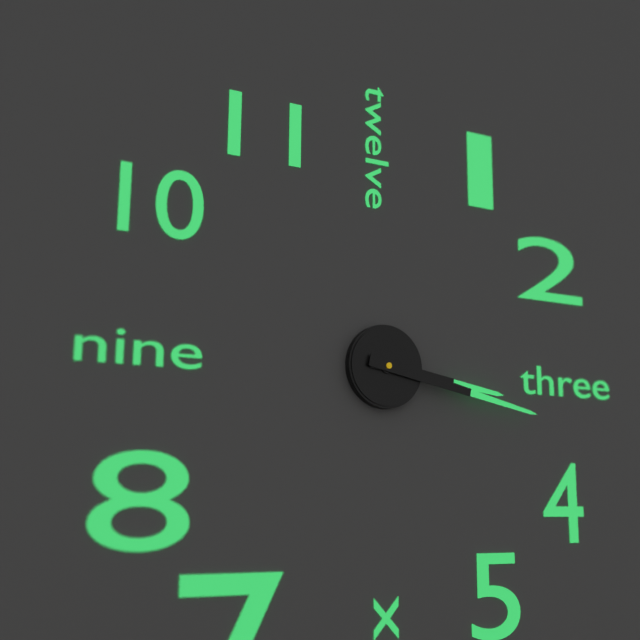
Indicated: **3:17**
